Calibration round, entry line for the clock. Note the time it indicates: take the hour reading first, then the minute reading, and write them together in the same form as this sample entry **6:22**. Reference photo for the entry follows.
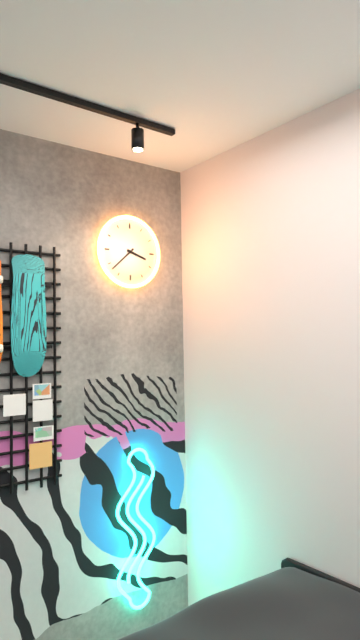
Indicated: **3:38**
